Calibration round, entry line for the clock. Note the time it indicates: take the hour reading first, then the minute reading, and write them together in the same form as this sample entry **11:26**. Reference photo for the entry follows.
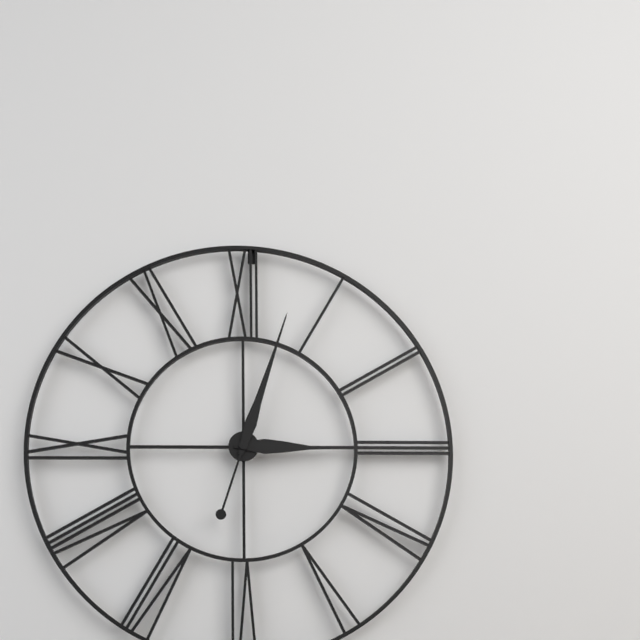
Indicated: **3:03**
